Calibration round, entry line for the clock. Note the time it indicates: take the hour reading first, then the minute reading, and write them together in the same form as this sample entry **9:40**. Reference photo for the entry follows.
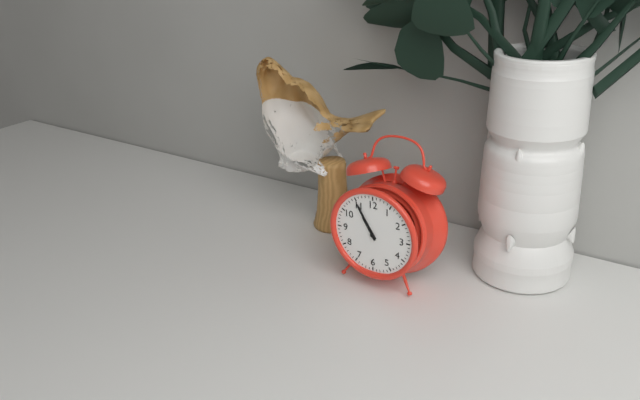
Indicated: **10:55**
